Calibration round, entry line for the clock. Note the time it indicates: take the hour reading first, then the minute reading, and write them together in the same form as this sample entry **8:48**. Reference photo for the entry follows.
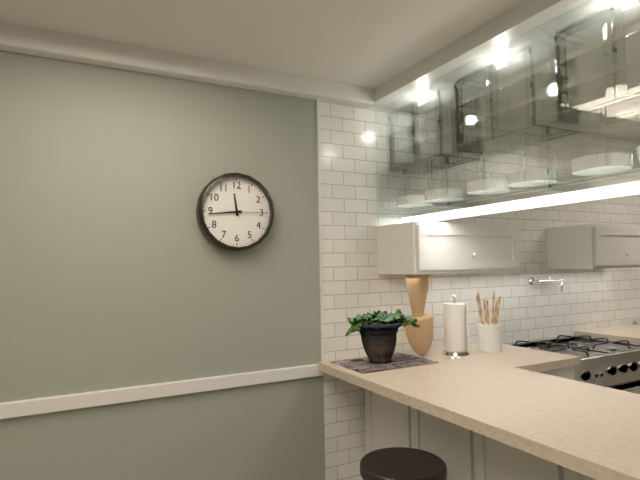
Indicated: **11:44**
